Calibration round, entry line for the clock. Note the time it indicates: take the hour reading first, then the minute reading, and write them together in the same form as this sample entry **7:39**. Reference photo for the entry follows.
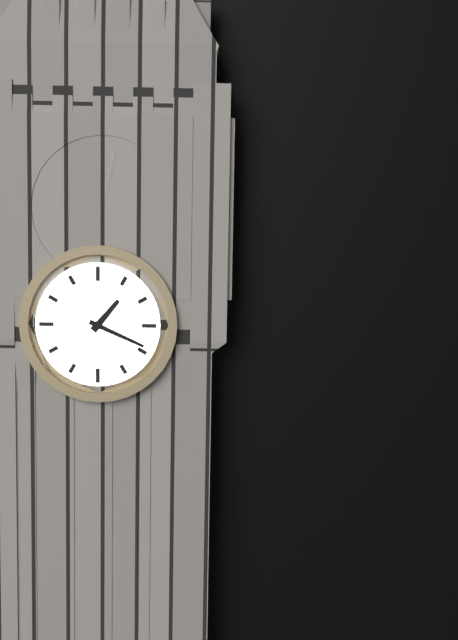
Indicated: **1:19**
